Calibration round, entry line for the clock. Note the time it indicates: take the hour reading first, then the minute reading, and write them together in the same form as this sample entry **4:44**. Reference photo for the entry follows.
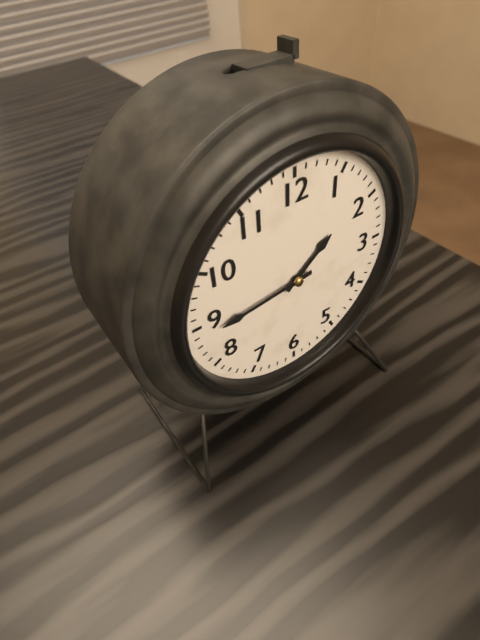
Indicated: **1:44**
